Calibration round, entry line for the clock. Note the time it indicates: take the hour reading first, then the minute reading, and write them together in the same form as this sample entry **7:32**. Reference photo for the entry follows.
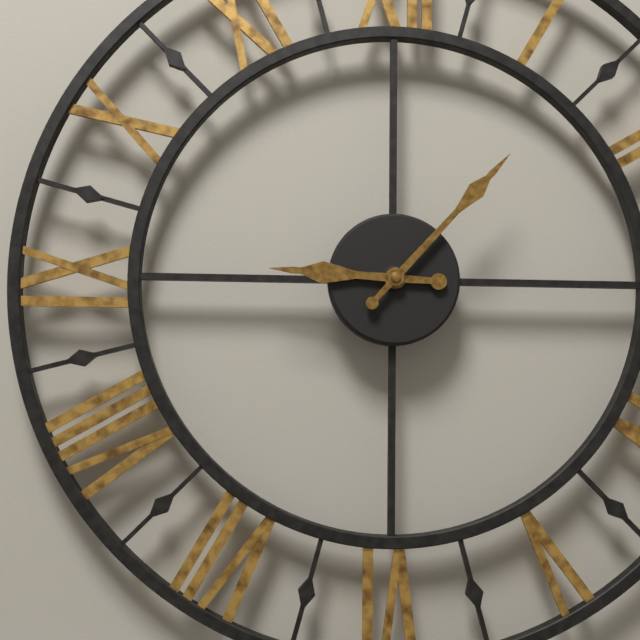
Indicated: **9:07**
